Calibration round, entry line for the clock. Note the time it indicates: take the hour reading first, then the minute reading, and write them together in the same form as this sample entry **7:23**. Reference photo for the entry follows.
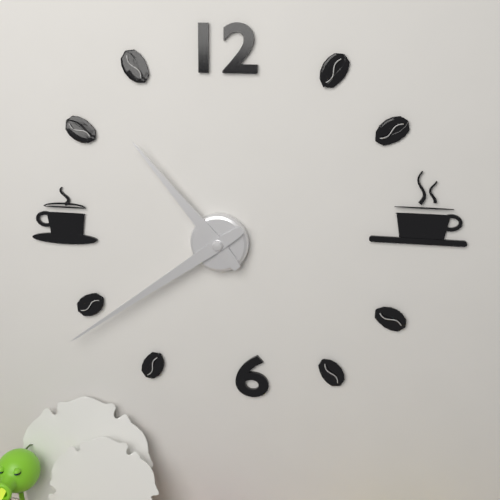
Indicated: **10:39**
